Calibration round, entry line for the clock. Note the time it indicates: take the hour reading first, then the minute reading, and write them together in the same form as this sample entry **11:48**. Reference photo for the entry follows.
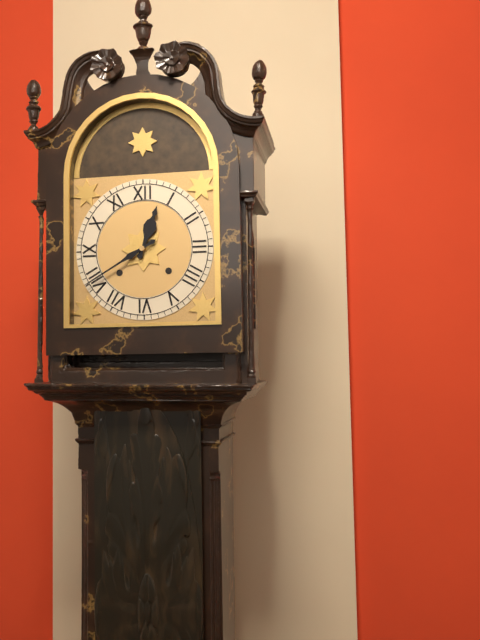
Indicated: **12:40**
